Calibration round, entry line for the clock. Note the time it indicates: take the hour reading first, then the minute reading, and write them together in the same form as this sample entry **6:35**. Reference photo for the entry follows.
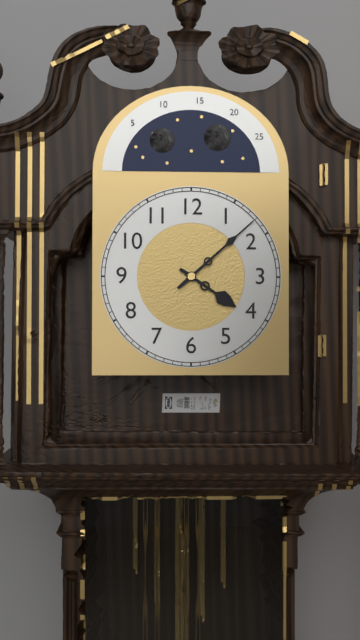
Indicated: **4:08**
